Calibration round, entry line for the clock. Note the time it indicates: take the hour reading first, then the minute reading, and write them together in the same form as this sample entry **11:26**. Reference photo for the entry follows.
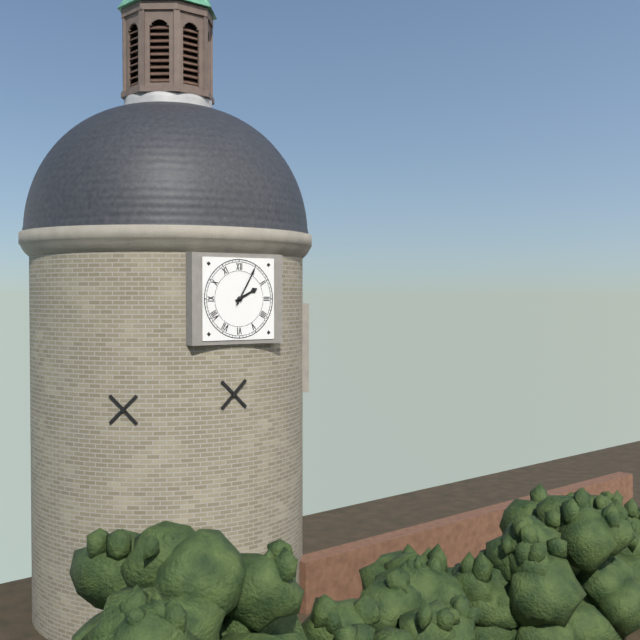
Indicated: **2:05**
